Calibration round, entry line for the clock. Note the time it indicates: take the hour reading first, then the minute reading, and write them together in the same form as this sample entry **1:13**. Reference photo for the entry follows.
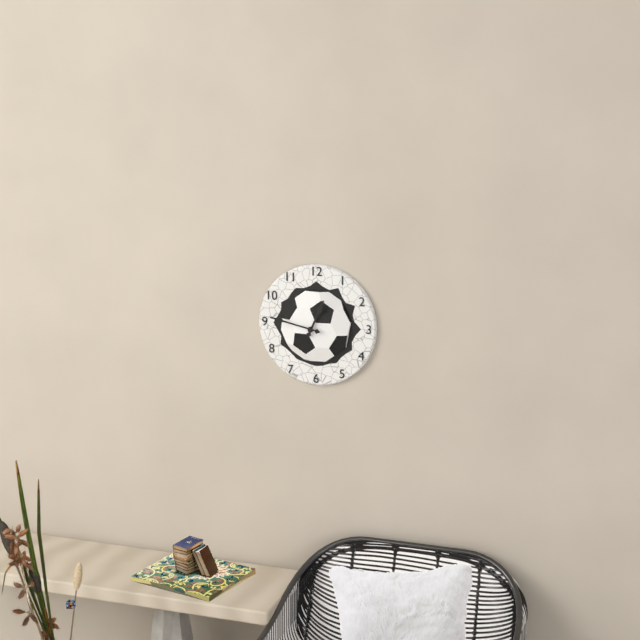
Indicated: **12:47**
